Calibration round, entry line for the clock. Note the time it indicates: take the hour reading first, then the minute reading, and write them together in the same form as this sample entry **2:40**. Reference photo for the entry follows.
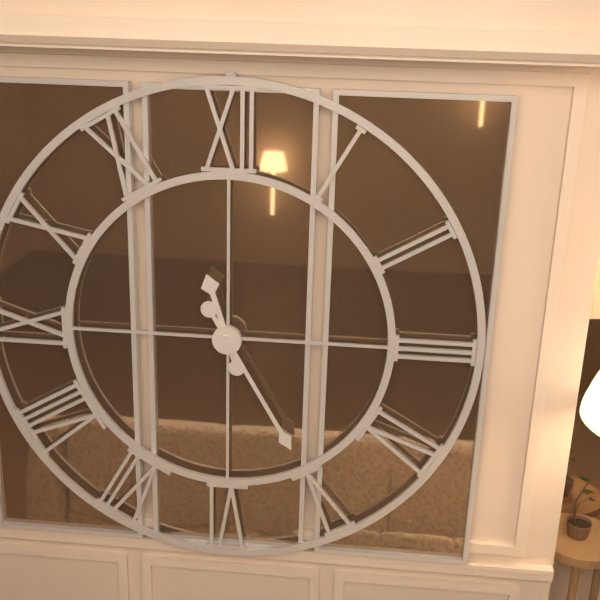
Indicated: **11:25**
